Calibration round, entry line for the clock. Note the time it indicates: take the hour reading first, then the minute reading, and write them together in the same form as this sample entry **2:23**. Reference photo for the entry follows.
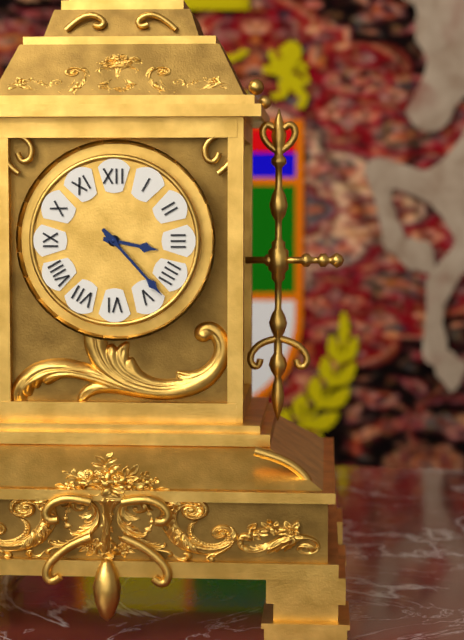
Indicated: **3:23**
